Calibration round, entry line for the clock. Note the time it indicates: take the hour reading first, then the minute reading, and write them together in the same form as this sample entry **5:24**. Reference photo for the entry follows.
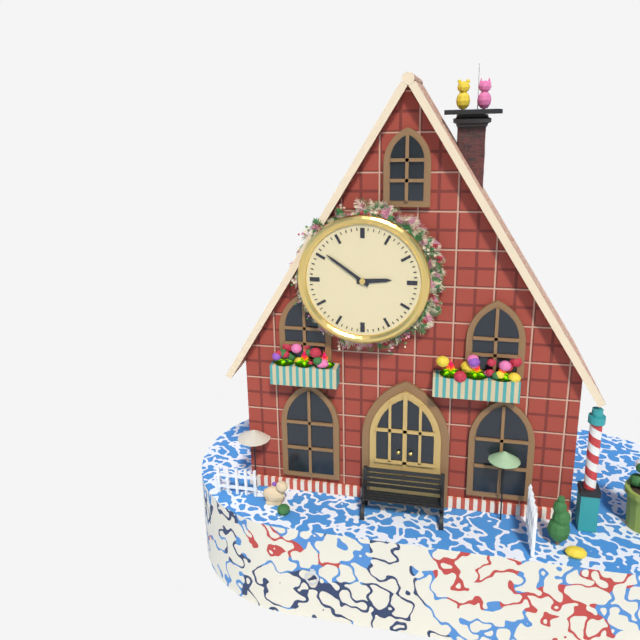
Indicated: **2:51**
